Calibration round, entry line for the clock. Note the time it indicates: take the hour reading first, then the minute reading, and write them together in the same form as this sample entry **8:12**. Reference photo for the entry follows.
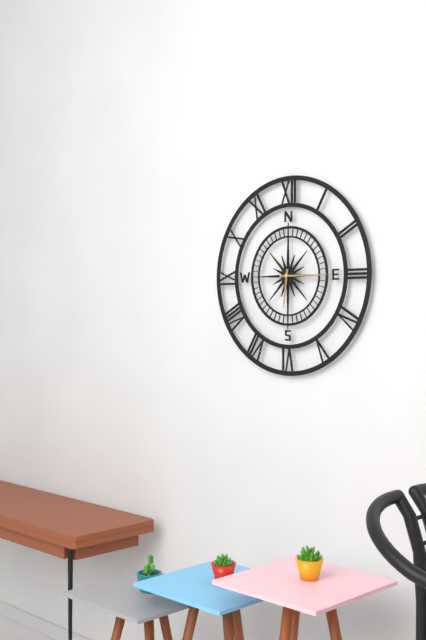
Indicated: **6:15**
